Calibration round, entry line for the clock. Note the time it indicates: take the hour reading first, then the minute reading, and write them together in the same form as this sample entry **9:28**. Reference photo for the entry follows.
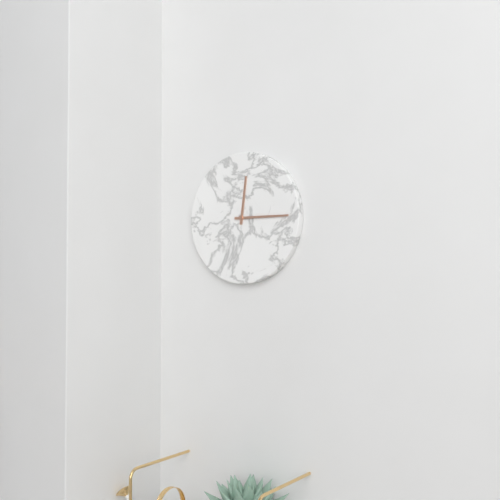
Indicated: **12:15**
